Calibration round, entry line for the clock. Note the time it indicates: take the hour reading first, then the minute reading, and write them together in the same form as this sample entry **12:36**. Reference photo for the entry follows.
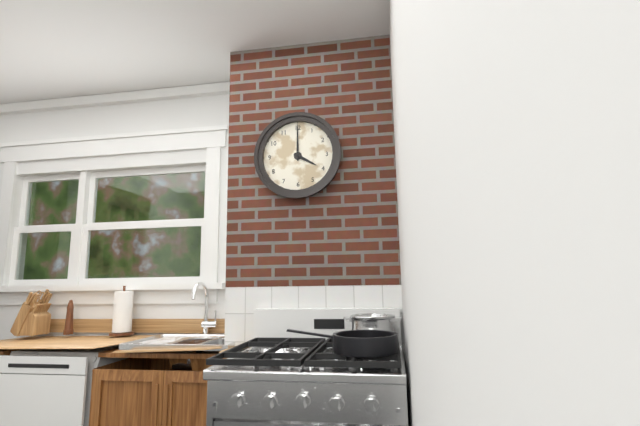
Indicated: **4:00**
